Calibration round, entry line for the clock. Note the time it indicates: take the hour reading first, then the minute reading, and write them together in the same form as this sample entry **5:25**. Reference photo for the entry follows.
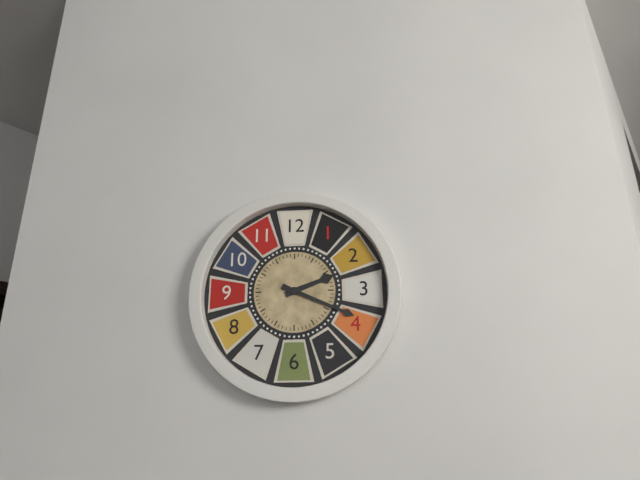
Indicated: **2:19**
